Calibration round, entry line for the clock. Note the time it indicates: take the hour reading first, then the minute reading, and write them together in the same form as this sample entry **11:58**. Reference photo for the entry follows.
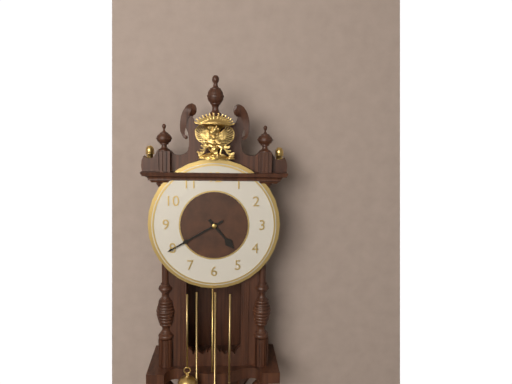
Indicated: **4:40**
